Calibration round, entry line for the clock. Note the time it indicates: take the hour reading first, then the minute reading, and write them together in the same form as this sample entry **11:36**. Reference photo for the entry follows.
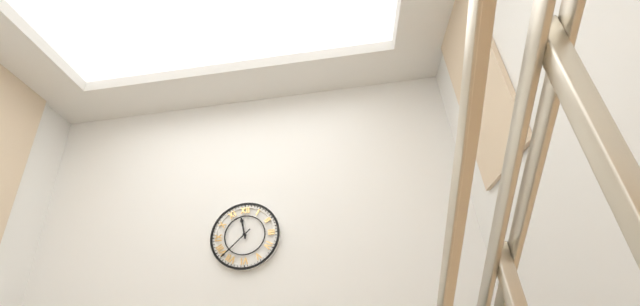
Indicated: **11:38**
